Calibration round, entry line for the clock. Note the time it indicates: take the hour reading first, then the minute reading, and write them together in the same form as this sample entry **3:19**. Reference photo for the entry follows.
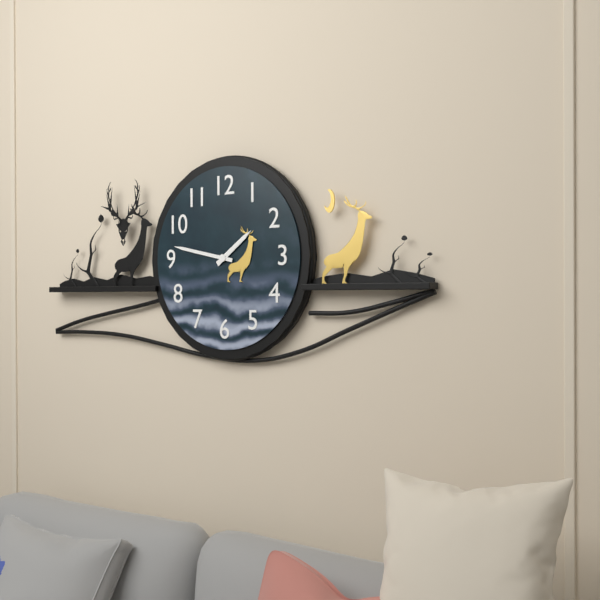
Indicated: **1:47**
